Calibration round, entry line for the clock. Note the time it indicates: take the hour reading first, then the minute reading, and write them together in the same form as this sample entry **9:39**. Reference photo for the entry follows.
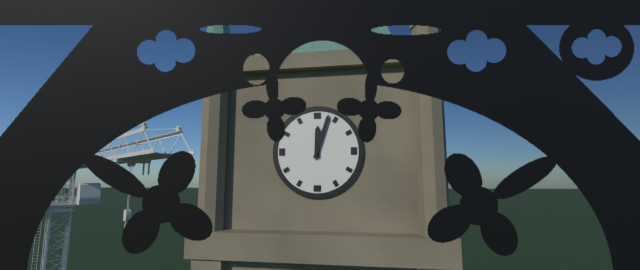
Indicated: **12:03**
